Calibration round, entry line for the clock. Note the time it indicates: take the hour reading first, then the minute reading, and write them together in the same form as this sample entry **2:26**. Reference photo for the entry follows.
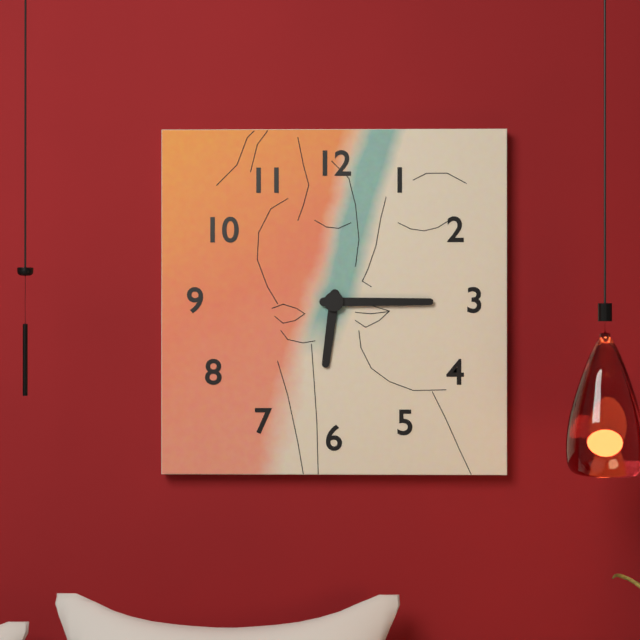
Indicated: **6:15**
